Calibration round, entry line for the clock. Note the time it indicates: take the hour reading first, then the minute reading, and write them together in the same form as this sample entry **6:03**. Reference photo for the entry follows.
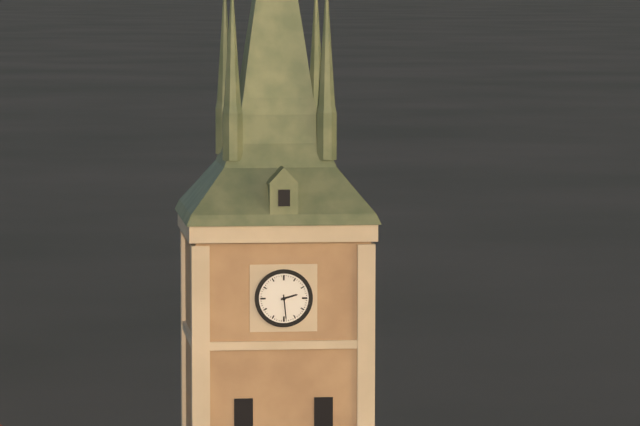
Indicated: **2:29**
